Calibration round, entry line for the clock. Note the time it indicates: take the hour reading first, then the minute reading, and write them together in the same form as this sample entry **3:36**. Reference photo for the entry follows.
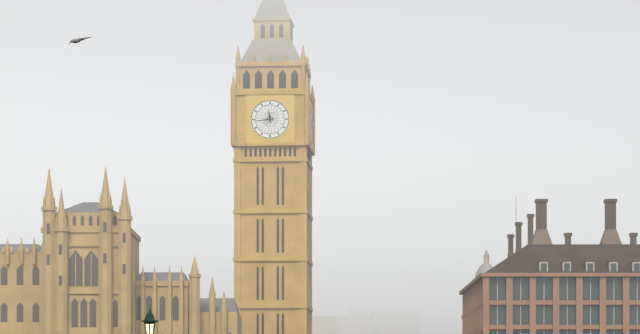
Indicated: **11:44**
